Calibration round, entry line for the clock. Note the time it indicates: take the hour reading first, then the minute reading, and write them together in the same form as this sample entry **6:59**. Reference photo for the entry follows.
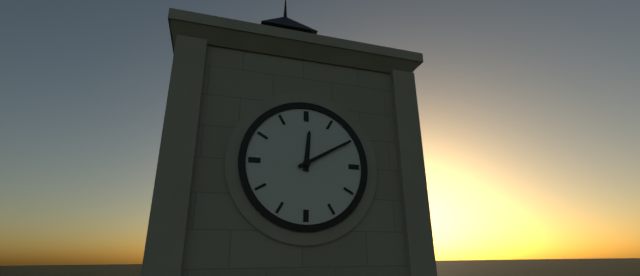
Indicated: **12:10**
